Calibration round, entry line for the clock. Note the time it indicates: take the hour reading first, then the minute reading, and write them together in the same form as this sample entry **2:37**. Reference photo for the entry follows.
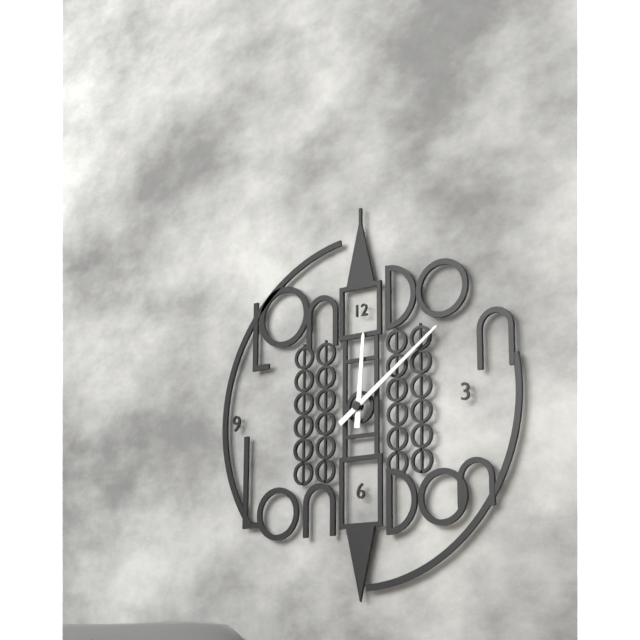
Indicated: **12:09**
